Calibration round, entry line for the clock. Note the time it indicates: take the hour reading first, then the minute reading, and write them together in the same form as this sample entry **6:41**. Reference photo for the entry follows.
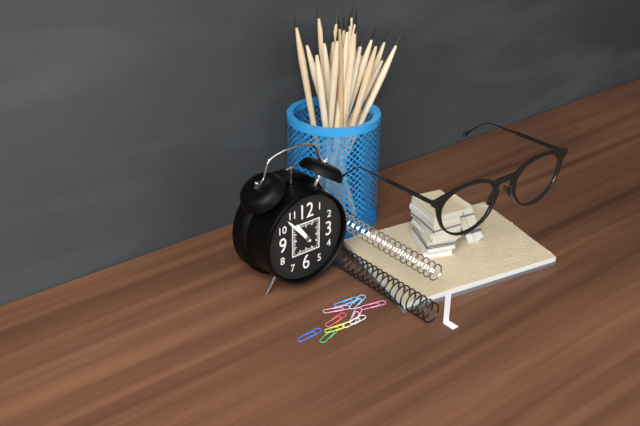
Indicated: **10:53**
